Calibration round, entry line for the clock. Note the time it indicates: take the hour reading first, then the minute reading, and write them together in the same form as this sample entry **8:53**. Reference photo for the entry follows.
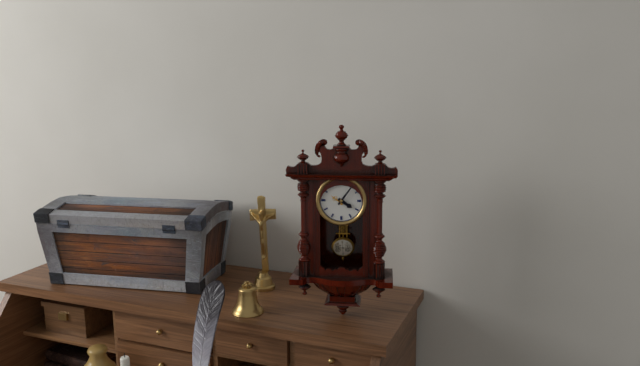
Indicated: **4:06**
